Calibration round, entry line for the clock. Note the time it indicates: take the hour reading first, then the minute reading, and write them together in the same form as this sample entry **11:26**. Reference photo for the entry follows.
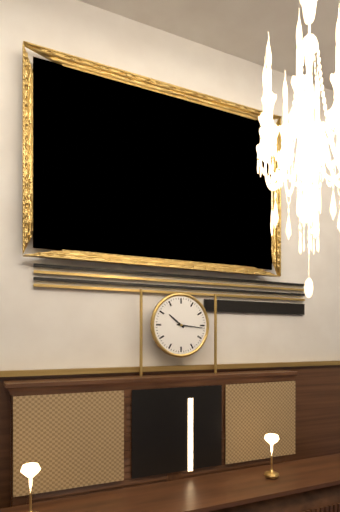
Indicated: **10:16**
